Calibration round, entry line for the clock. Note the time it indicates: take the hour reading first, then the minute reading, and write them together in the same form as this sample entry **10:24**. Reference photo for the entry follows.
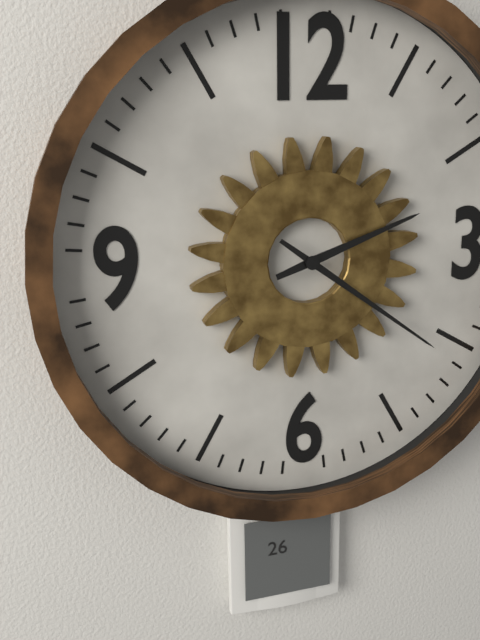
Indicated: **2:21**
